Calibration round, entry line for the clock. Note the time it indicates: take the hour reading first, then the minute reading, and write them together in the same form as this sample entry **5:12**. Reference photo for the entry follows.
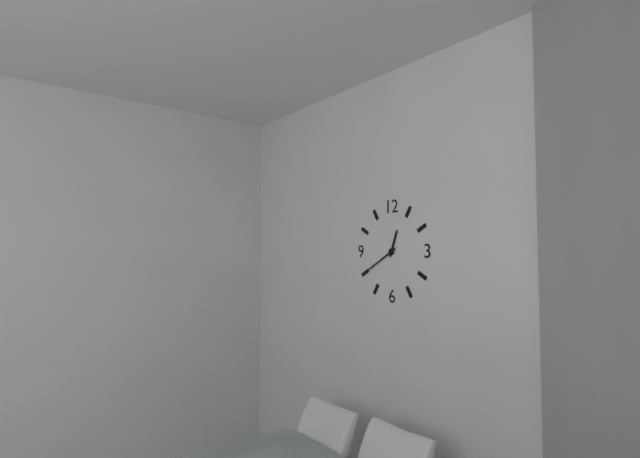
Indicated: **12:40**
